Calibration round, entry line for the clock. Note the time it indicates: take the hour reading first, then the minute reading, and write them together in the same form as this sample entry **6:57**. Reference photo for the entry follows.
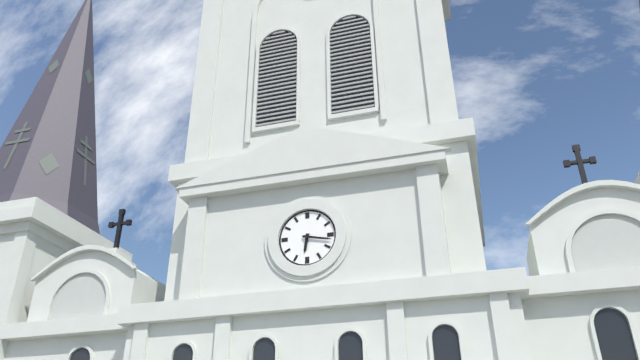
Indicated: **6:17**
